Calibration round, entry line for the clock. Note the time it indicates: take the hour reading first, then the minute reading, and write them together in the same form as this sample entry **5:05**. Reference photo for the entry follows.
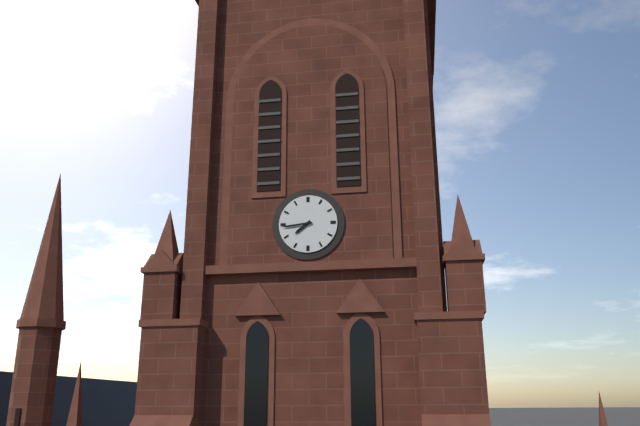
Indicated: **7:44**
